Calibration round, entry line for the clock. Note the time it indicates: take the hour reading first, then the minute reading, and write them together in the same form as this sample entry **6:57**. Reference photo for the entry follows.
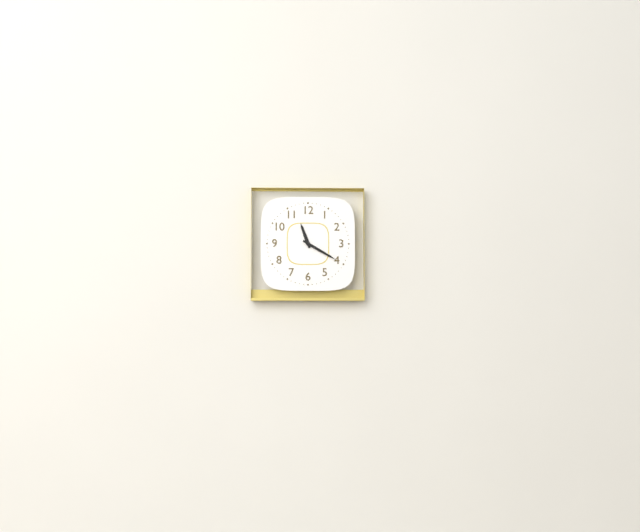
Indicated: **11:20**
